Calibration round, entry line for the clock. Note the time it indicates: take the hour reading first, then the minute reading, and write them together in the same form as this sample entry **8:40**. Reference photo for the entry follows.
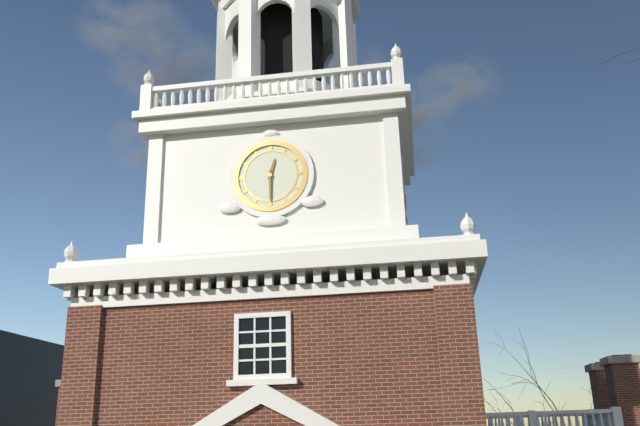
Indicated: **12:30**
